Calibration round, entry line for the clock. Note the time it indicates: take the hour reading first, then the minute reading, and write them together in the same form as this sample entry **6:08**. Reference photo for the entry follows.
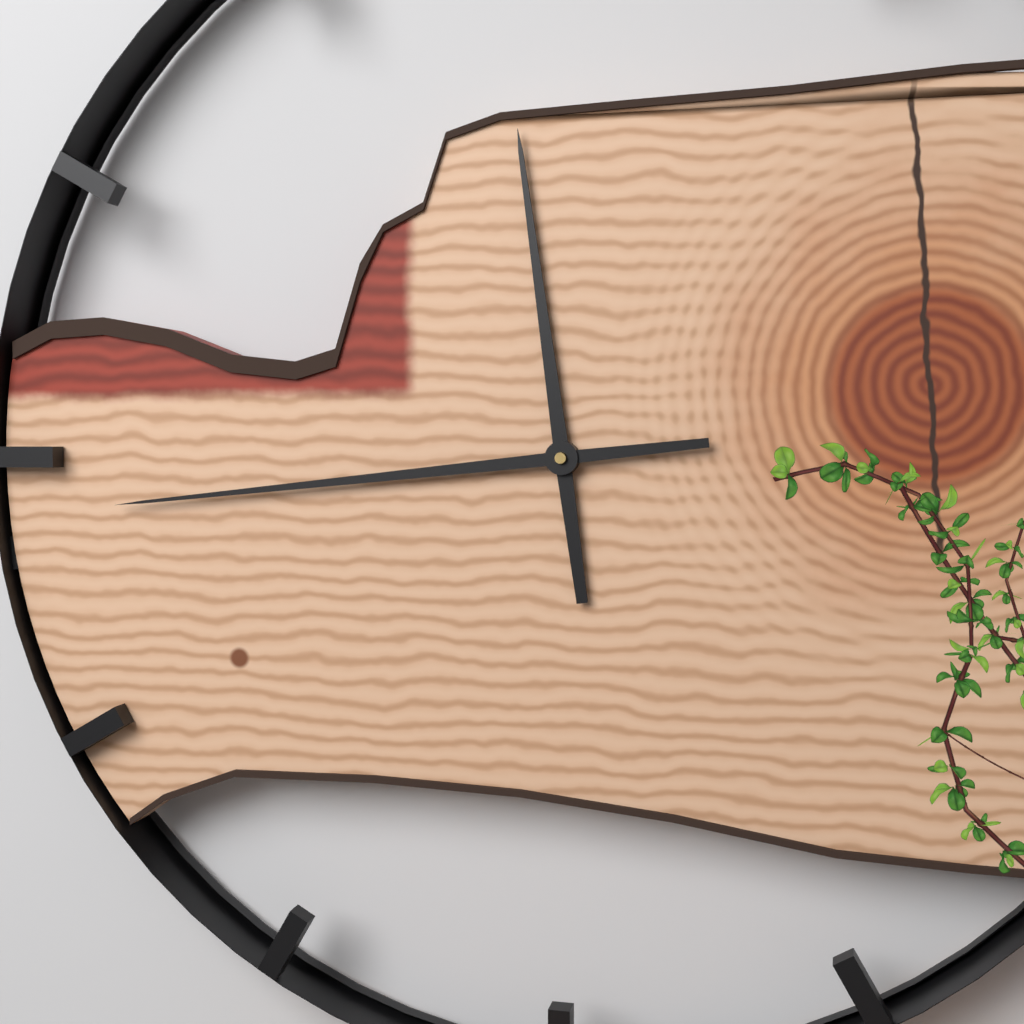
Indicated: **11:44**
